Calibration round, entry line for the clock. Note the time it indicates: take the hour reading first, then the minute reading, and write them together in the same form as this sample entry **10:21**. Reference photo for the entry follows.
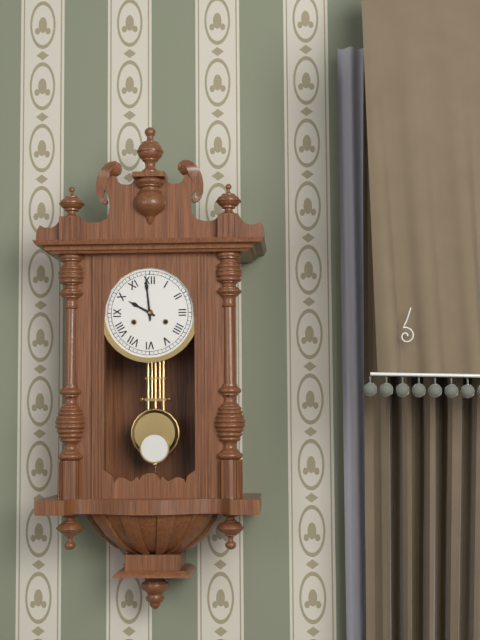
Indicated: **9:59**
